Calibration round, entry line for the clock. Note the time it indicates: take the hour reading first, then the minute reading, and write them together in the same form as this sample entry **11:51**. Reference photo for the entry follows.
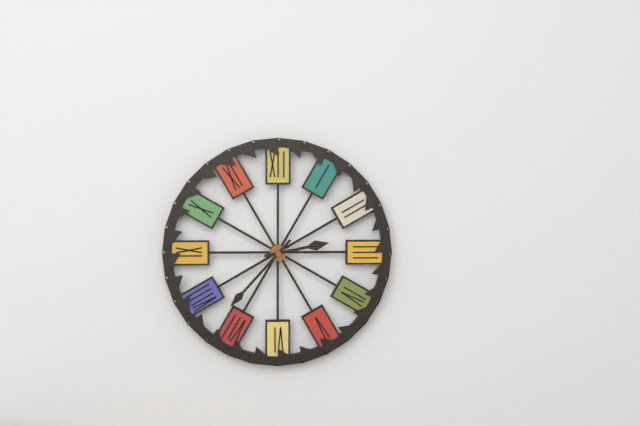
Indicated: **2:37**
